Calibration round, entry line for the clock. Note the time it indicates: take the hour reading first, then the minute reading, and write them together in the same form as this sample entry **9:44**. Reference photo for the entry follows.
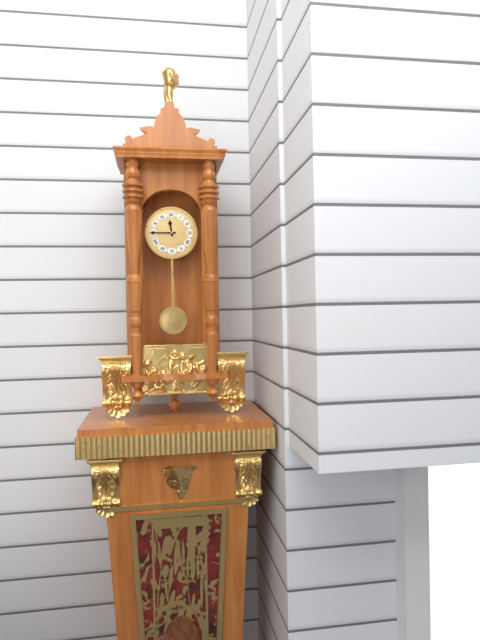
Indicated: **11:45**
